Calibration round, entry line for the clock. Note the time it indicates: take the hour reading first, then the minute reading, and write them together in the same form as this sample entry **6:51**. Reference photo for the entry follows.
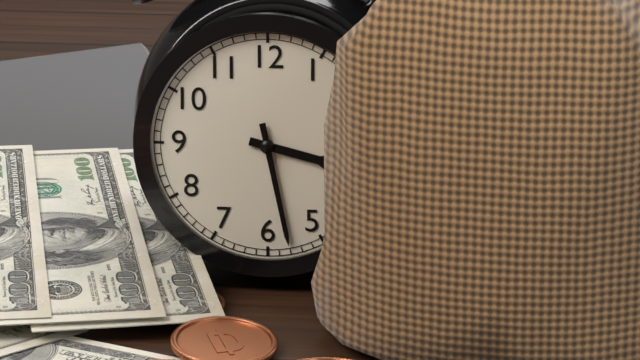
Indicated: **3:28**
